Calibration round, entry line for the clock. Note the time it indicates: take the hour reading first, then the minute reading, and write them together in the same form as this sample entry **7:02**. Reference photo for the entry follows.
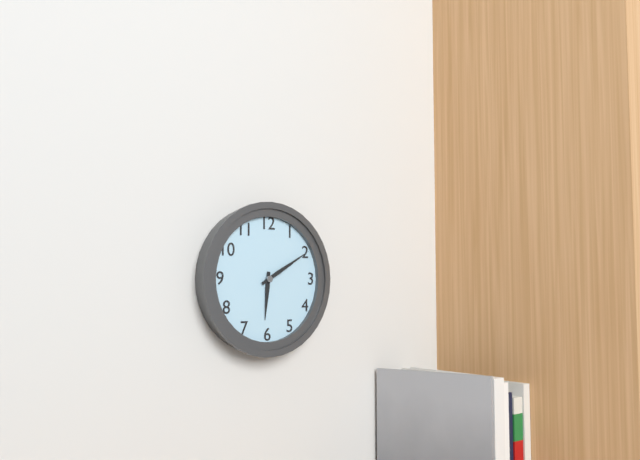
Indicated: **6:10**
